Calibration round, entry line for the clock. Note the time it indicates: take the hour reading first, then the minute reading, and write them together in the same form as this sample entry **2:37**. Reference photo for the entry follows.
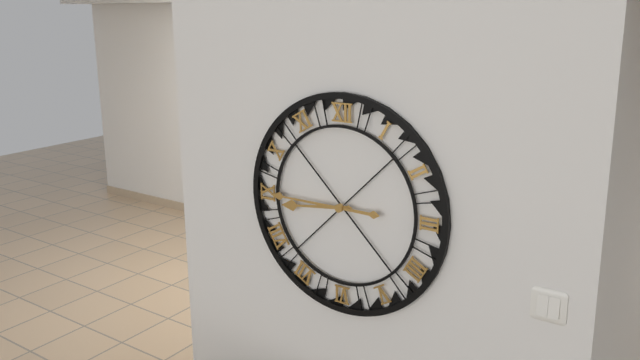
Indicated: **8:45**
